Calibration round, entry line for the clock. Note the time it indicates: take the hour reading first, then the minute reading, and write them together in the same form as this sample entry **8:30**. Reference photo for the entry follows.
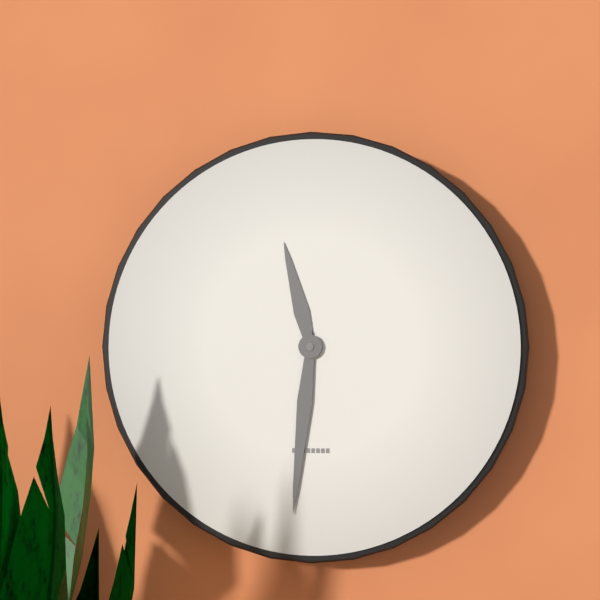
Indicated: **11:31**
